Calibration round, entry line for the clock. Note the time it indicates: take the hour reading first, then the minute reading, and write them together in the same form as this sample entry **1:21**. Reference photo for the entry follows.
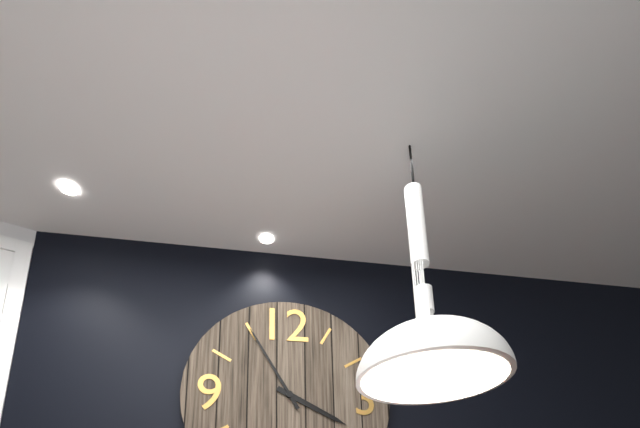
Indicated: **3:55**
